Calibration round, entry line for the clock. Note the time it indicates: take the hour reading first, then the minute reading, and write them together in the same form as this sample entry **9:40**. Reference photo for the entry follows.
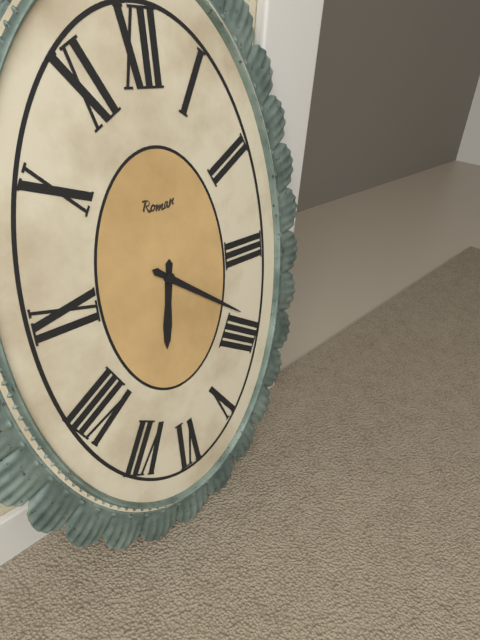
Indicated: **6:21**
